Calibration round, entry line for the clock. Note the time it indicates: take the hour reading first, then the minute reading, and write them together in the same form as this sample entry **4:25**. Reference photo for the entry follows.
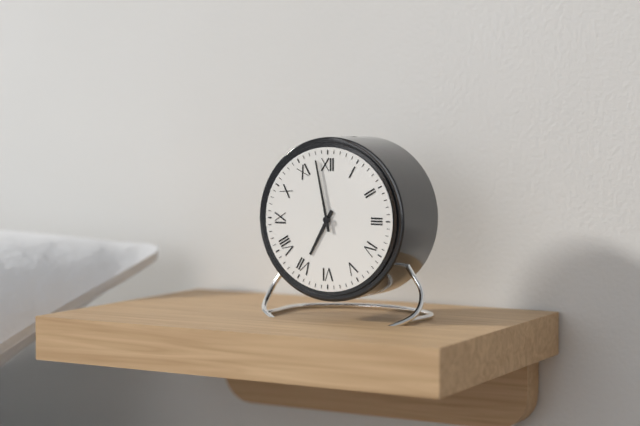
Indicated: **6:58**
